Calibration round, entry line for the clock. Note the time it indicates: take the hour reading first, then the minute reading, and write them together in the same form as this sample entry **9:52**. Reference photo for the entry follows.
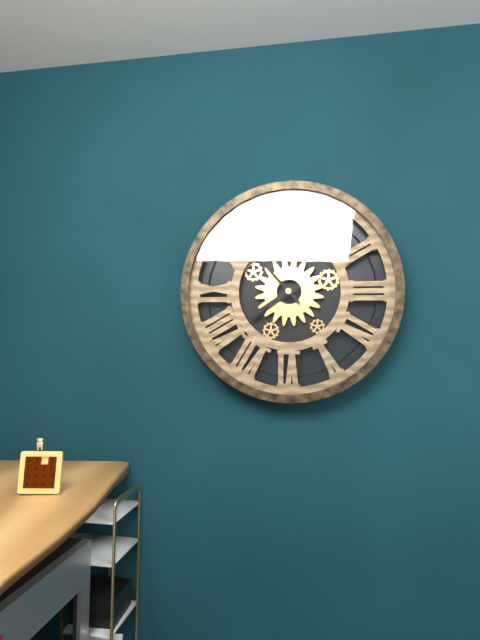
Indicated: **7:53**
